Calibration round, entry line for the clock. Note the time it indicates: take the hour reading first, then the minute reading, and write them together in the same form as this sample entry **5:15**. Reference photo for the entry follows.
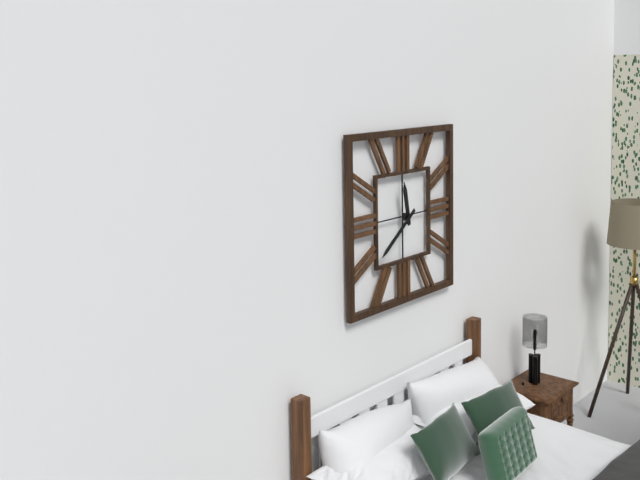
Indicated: **11:39**
